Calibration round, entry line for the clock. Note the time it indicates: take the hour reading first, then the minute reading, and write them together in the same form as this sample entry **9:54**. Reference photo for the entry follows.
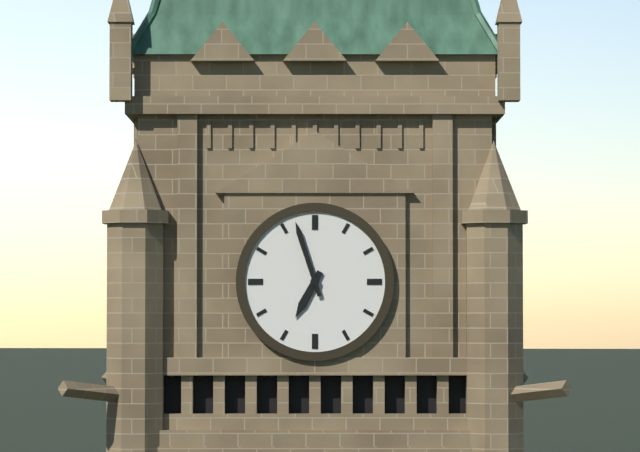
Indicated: **6:57**
